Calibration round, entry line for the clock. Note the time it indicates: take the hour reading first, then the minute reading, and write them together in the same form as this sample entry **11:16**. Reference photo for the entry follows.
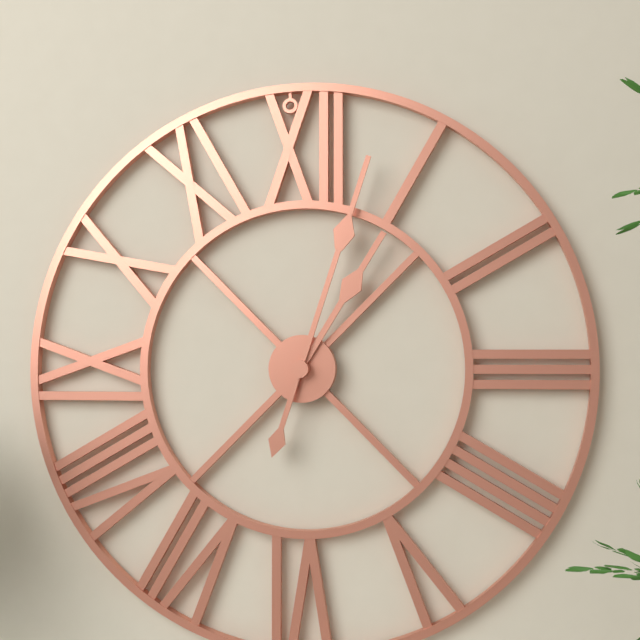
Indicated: **1:03**
